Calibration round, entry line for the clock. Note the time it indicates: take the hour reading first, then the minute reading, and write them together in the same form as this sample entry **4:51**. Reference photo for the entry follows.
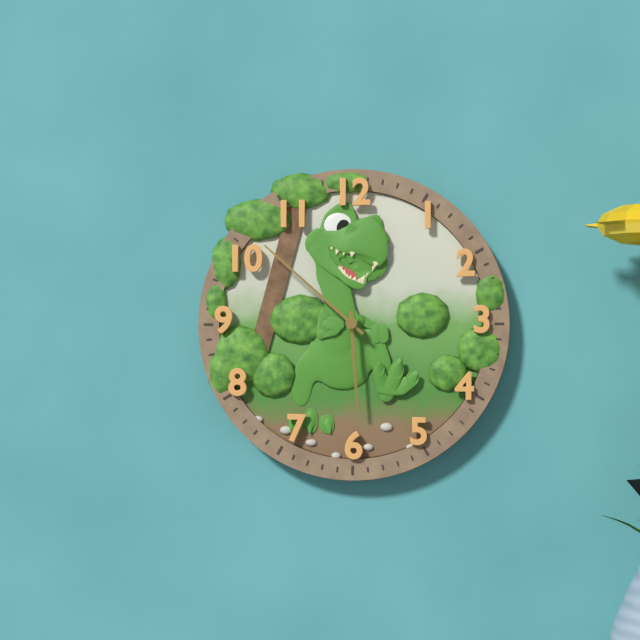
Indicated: **5:52**
